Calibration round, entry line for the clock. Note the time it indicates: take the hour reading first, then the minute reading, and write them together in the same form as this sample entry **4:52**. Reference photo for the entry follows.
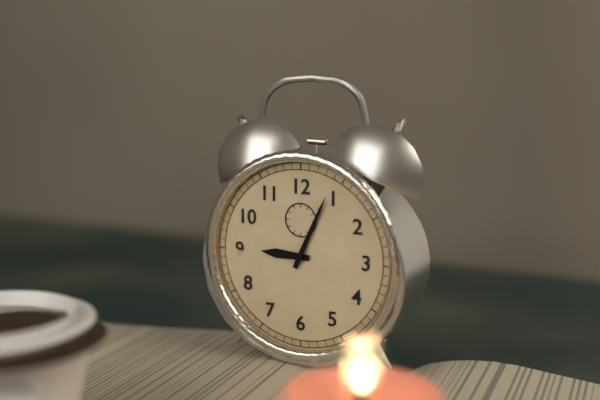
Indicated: **9:04**
